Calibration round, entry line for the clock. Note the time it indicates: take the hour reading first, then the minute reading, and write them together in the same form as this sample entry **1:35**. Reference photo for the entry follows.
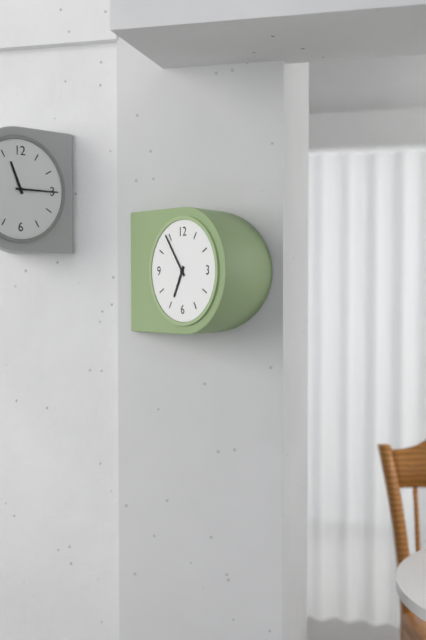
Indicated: **6:54**
